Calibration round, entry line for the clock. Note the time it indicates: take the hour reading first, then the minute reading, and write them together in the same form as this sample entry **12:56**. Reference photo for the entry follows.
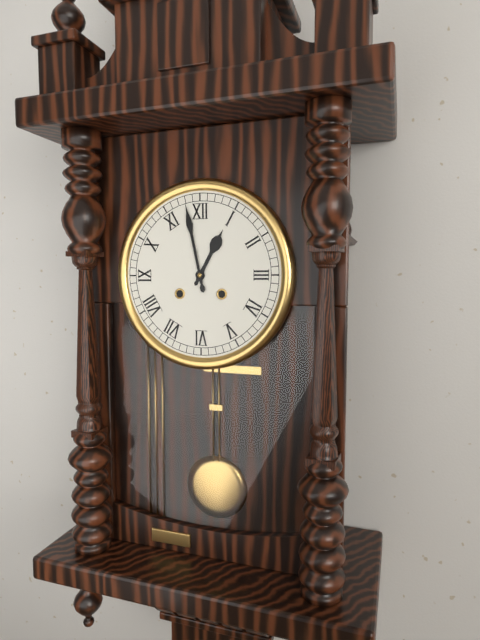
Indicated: **12:58**
